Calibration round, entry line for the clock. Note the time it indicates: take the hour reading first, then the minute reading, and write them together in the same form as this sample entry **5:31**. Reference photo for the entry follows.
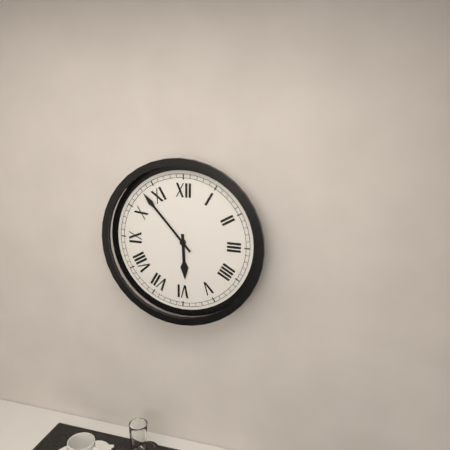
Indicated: **5:53**
